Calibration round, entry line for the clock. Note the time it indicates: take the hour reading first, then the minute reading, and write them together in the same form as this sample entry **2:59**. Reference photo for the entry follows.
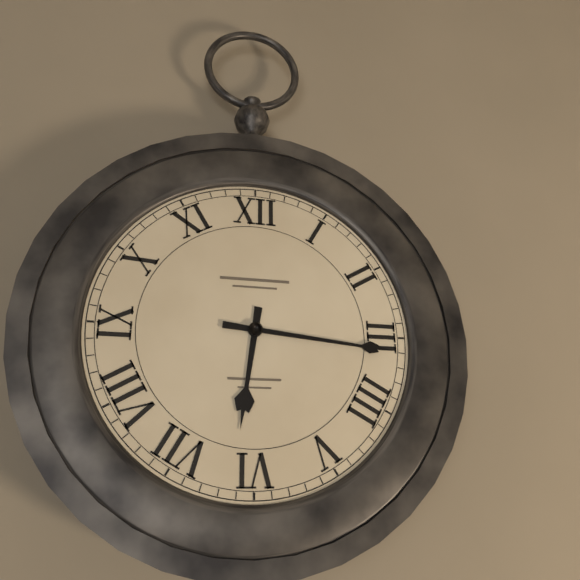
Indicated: **6:16**
